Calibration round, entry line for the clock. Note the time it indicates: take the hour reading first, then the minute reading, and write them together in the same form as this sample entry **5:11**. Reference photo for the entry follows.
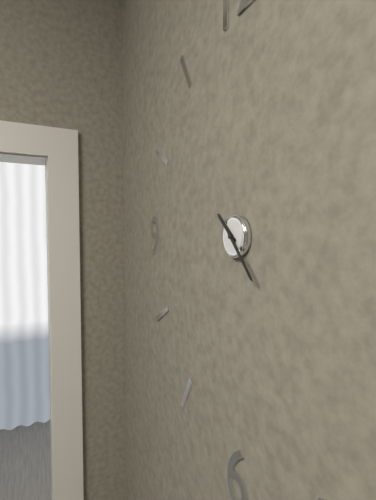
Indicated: **10:23**
